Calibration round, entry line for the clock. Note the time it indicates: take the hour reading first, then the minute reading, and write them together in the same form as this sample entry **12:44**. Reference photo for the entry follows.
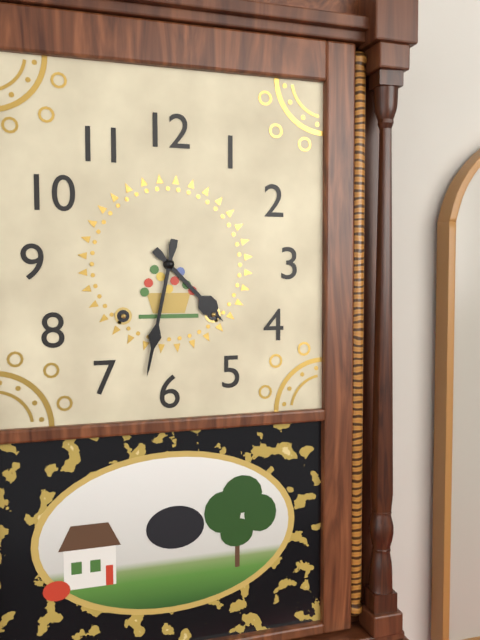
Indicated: **4:32**
